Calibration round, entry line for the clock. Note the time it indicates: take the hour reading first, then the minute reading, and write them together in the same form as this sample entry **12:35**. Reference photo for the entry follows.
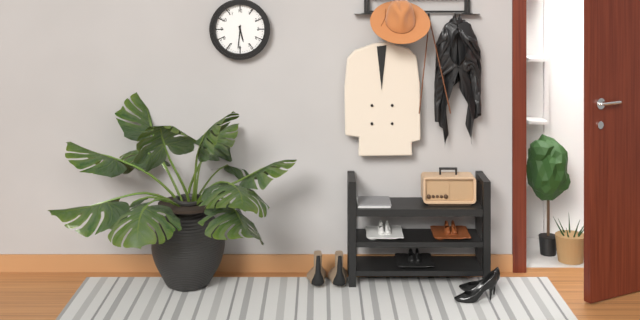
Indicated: **5:31**
